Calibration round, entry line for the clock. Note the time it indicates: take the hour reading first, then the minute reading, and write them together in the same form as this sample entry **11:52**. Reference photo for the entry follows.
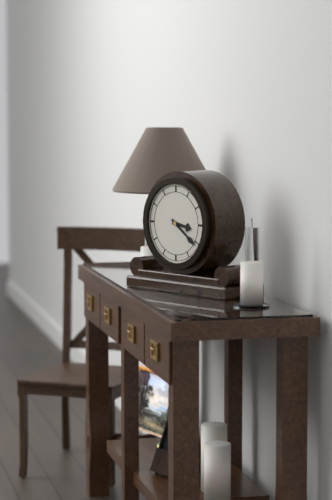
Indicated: **3:21**
